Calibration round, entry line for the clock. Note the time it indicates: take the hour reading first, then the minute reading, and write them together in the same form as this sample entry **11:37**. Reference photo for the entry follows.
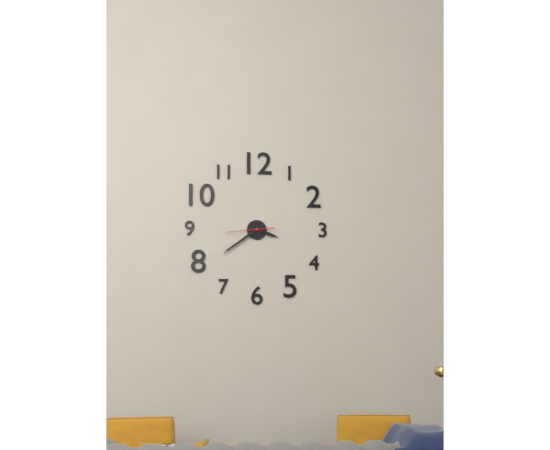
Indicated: **3:39**
